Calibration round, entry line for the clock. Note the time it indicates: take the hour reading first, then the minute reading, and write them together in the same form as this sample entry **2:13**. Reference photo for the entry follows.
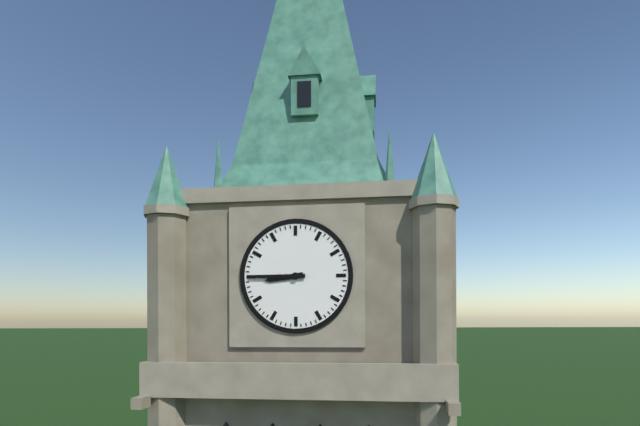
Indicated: **8:45**
